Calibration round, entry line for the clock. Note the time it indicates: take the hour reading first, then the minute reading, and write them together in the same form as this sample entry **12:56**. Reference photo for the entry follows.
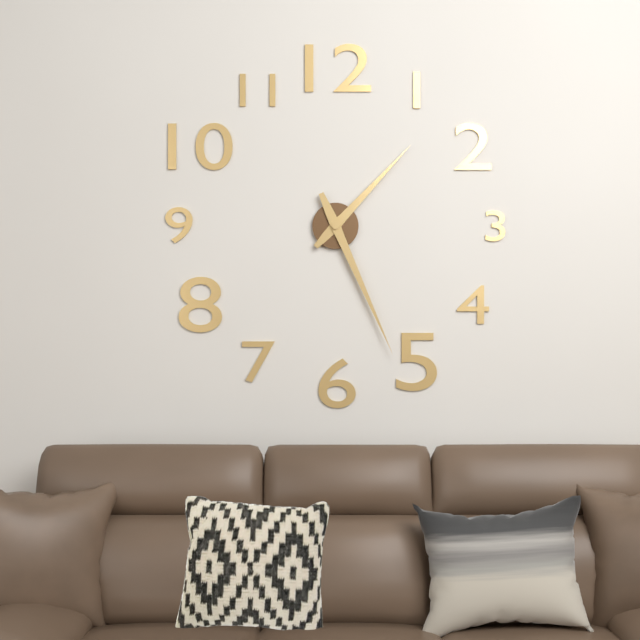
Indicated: **1:26**
